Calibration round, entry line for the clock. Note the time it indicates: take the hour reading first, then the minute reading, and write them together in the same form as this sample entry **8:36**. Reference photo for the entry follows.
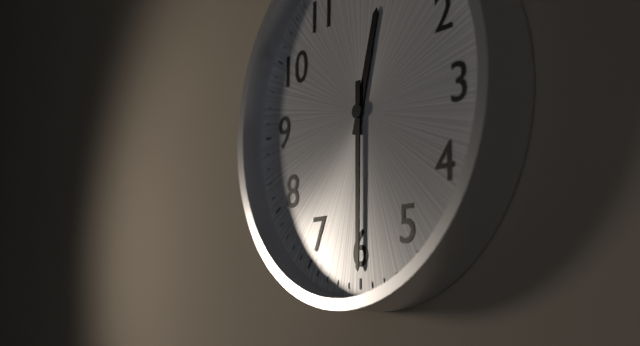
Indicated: **12:30**
